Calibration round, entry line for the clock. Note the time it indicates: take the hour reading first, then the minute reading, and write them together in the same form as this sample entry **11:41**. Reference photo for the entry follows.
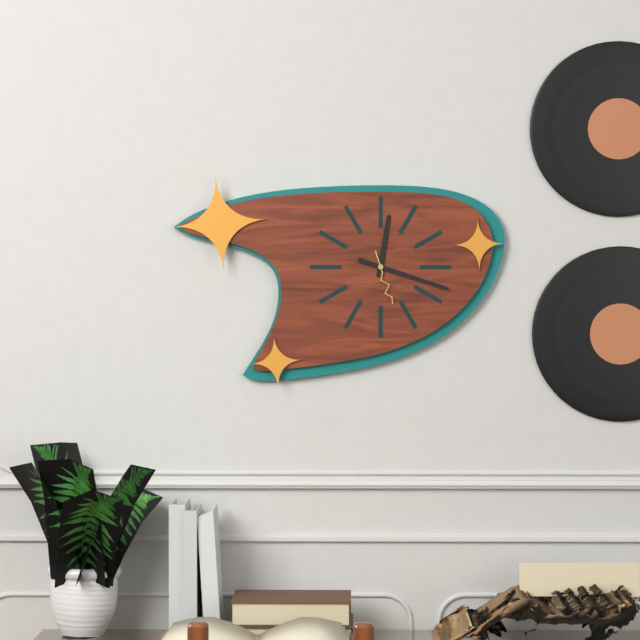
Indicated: **12:18**
